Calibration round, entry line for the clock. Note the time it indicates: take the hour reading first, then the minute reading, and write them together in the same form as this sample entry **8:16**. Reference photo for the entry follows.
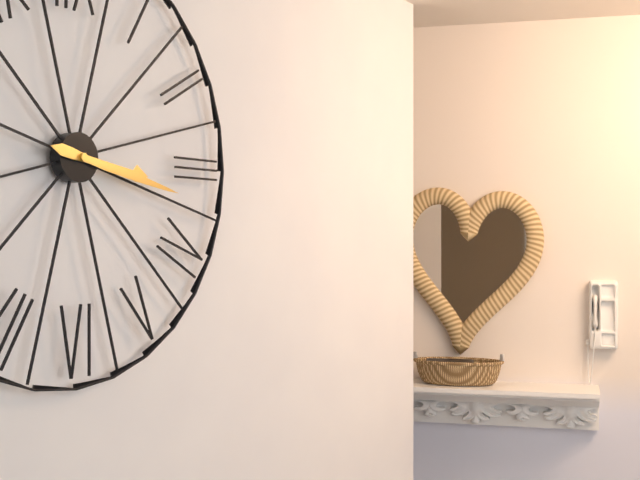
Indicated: **3:17**
